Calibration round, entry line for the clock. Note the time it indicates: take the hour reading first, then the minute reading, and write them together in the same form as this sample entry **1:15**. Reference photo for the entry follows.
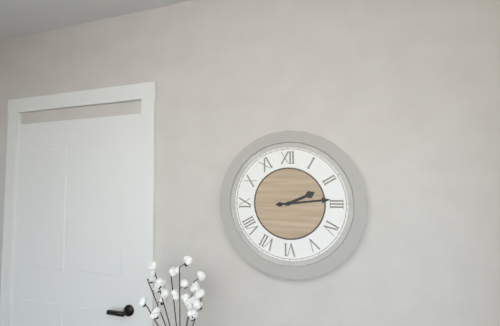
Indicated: **2:14**
